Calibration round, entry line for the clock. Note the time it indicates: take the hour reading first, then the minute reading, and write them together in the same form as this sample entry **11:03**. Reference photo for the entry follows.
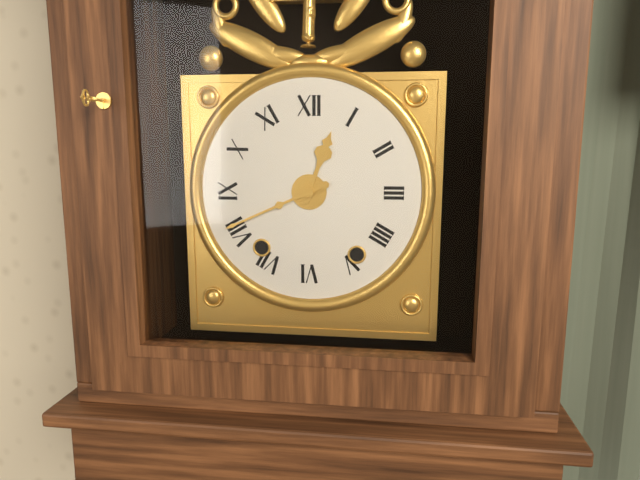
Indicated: **12:41**
